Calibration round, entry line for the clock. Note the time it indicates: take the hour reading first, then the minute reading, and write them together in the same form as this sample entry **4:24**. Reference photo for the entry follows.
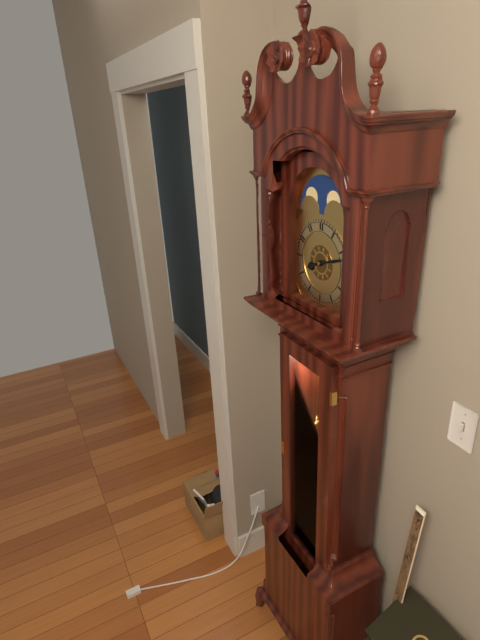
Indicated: **8:12**
